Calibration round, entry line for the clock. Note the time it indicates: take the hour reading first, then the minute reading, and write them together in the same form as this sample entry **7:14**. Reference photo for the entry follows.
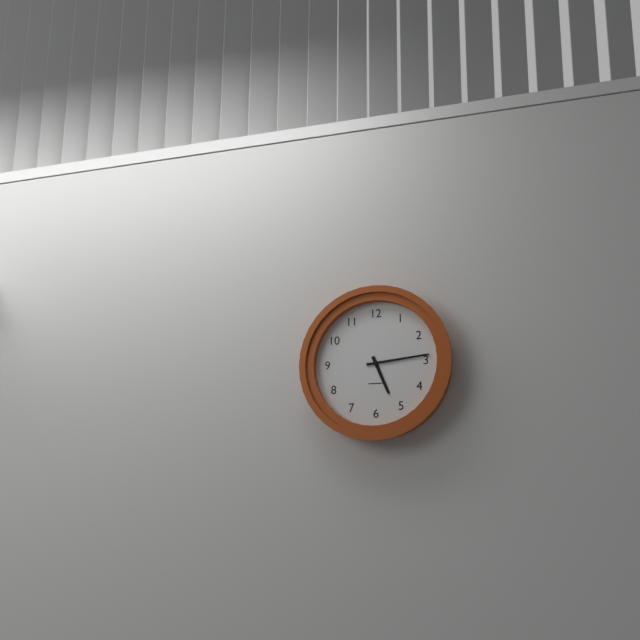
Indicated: **5:14**
